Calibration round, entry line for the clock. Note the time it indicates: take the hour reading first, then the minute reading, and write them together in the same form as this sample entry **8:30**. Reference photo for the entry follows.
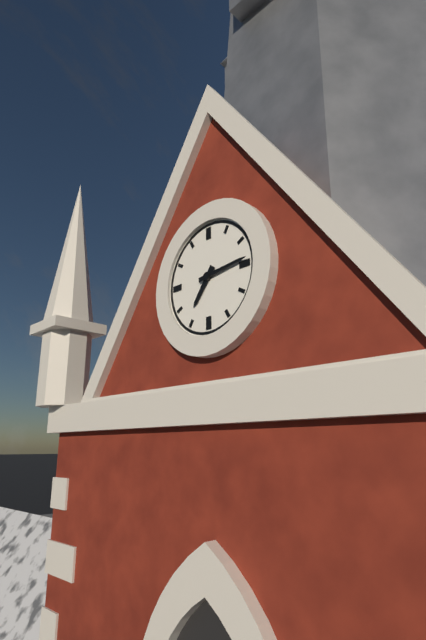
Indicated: **7:14**
